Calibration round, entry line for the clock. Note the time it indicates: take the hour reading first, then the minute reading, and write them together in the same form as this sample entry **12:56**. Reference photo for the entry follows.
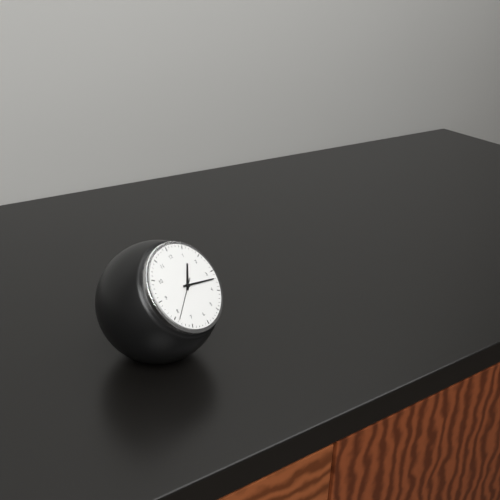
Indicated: **1:17**
